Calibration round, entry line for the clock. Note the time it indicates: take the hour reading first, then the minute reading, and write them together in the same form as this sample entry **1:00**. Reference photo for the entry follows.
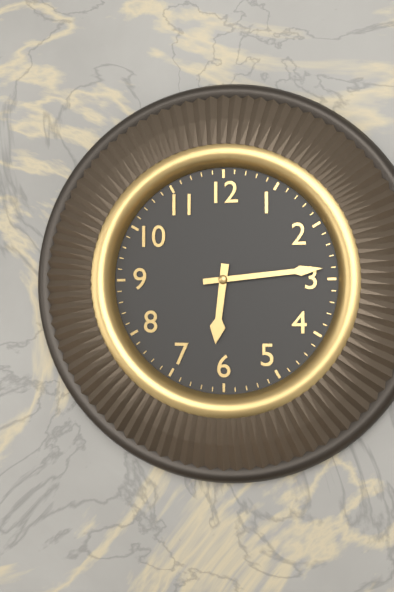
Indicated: **6:14**
